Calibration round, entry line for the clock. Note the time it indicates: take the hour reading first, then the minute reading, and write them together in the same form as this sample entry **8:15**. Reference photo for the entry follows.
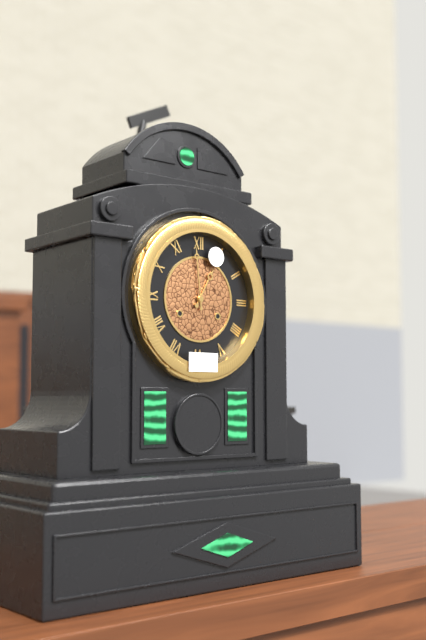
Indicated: **12:59**
